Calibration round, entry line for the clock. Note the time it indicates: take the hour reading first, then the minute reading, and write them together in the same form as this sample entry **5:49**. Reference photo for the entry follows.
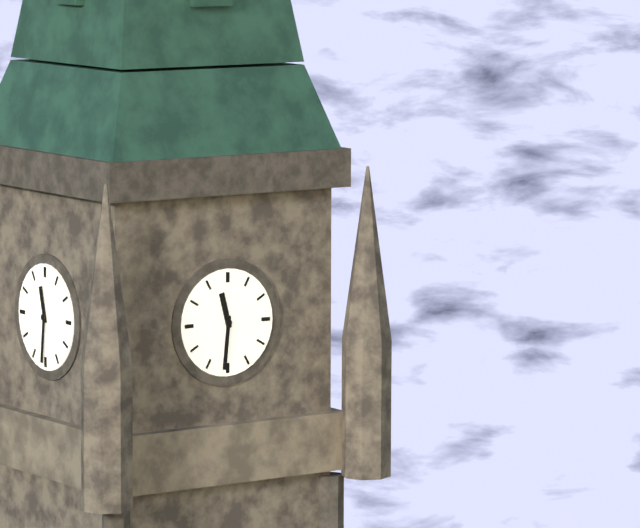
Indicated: **11:31**
